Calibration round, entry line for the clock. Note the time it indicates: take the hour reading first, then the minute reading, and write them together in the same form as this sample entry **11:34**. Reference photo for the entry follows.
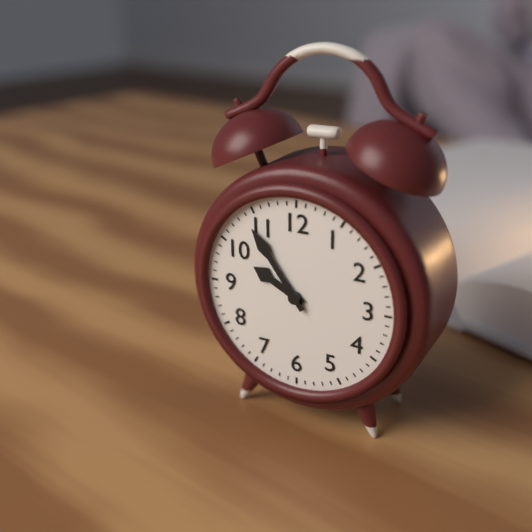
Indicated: **9:54**
